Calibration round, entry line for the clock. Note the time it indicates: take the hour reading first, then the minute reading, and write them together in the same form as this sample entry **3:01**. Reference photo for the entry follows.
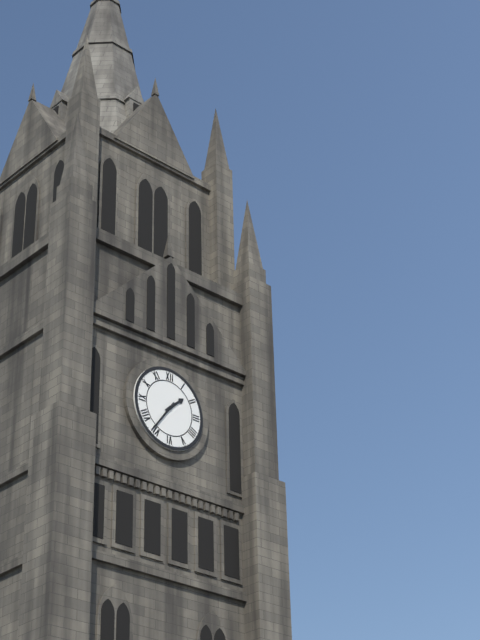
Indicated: **1:36**
